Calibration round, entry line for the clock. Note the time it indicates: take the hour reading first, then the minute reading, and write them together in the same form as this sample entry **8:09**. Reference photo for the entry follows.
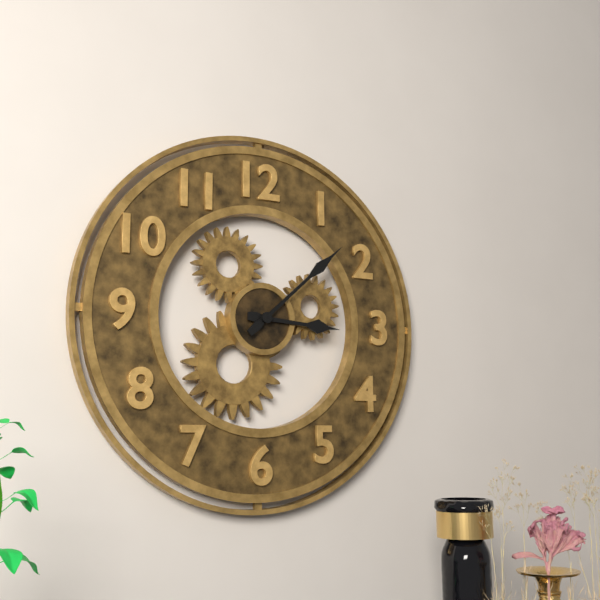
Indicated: **3:08**
